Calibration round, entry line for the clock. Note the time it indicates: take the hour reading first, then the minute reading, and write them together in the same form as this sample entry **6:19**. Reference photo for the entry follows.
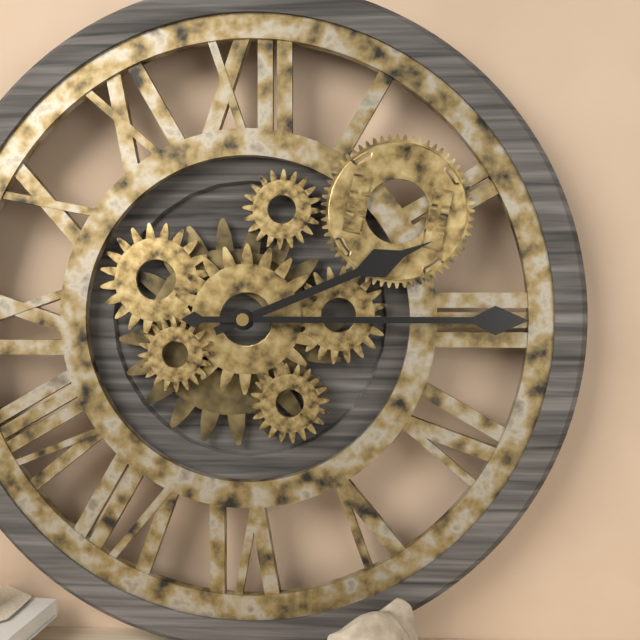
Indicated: **2:15**
